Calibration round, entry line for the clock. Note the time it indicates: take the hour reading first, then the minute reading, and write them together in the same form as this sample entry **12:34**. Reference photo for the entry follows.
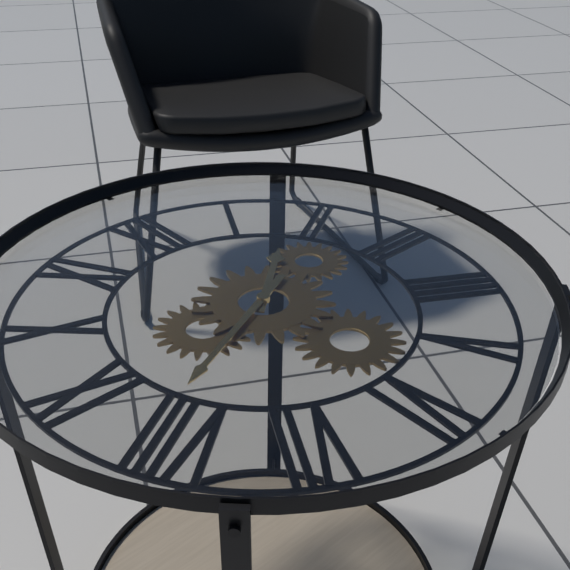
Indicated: **1:41**
